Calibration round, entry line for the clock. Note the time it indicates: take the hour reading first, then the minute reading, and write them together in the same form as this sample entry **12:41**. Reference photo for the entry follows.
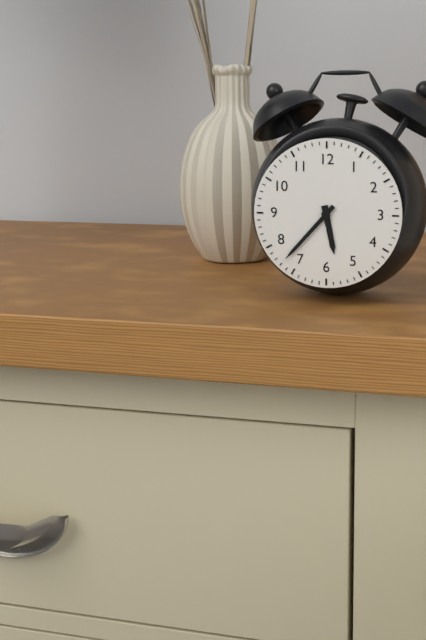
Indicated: **5:37**
